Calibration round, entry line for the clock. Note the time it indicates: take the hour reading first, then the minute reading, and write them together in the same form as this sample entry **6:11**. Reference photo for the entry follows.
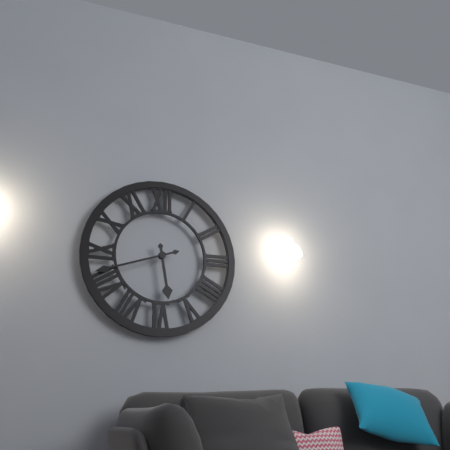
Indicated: **5:42**
